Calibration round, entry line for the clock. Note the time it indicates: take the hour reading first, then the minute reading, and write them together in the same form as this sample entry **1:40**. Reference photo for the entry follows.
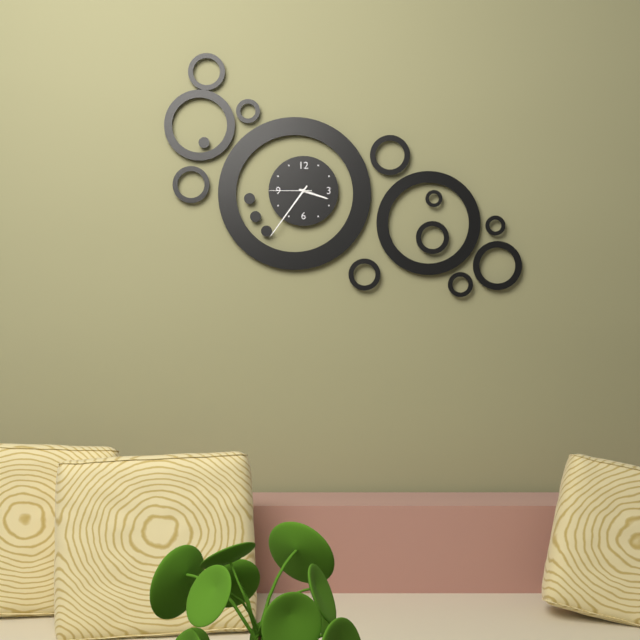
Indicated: **3:36**
